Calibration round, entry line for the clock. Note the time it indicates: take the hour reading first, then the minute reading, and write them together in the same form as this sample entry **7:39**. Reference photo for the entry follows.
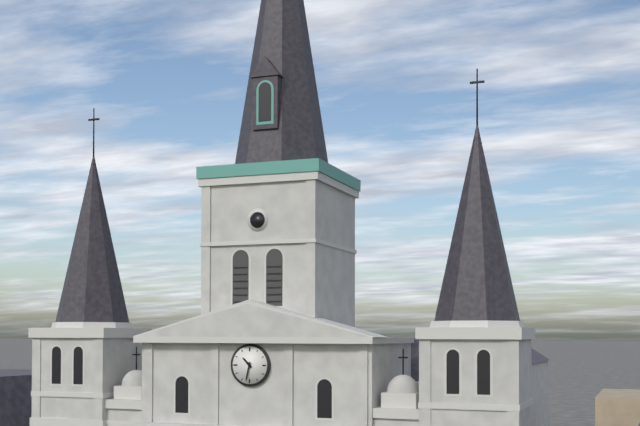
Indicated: **10:32**
